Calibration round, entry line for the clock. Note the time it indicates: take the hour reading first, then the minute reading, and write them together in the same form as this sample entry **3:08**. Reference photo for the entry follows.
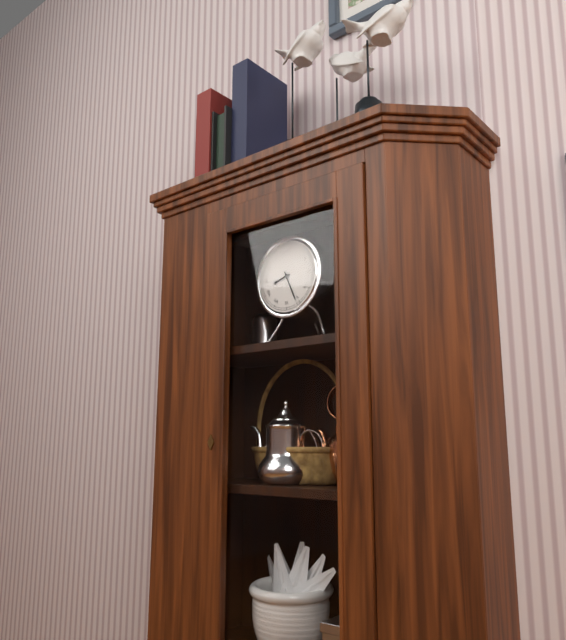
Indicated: **8:26**
